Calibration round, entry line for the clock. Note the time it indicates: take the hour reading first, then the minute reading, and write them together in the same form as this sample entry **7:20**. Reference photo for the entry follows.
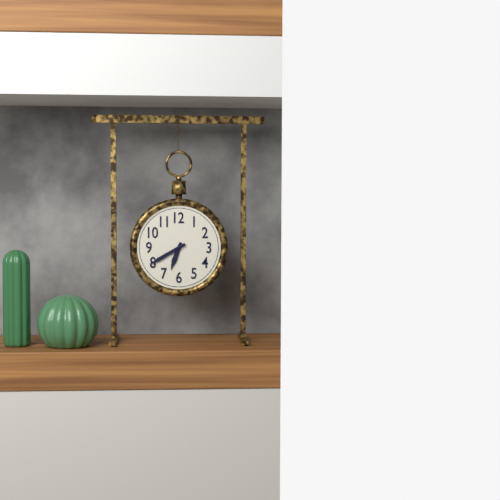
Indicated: **6:40**
